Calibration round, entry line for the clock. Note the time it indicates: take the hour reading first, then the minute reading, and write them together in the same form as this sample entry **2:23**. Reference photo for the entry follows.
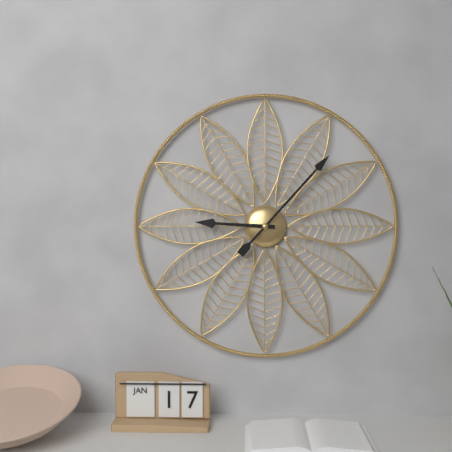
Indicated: **9:07**
